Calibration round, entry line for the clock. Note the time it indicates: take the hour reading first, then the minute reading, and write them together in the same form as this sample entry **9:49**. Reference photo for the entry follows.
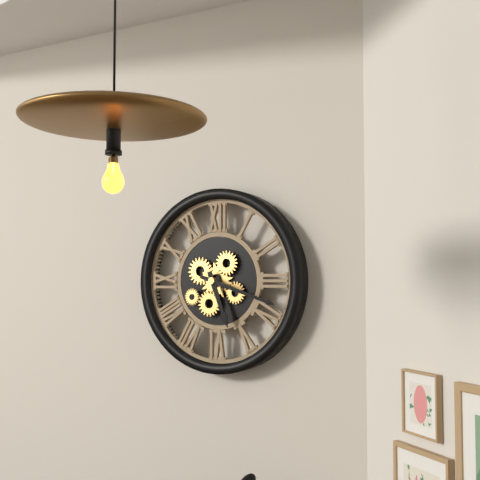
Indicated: **5:18**
